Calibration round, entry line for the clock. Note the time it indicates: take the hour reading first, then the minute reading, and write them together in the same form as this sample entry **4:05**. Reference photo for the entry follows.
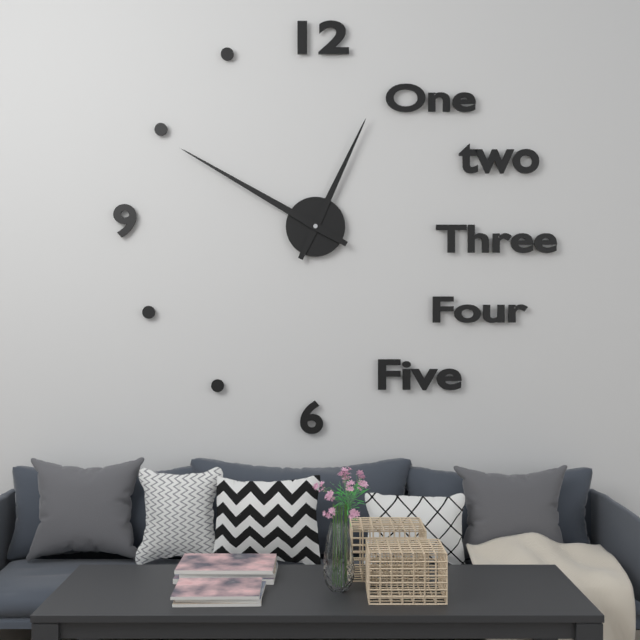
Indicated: **12:50**
